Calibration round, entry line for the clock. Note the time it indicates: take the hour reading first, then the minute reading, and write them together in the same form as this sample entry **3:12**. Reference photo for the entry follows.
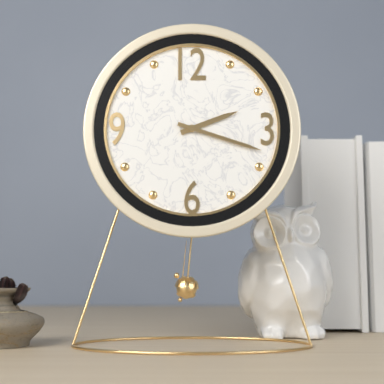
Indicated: **2:18**
